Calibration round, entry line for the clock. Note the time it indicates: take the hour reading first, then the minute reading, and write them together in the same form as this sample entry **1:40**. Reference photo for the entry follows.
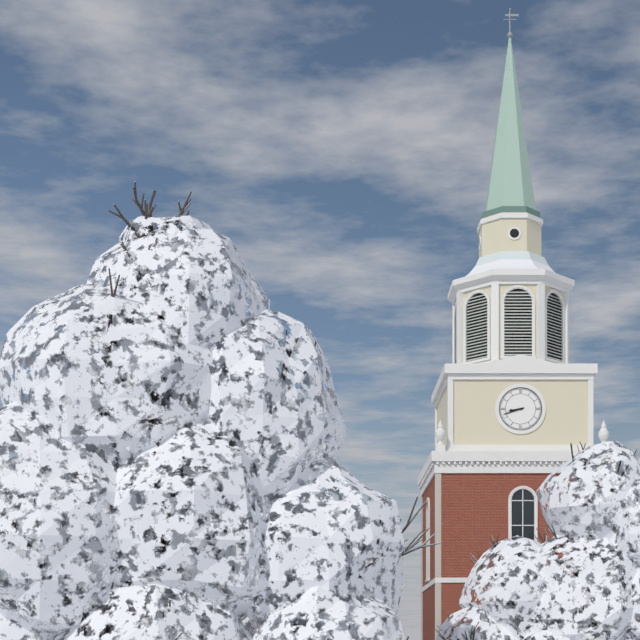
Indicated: **8:42**
